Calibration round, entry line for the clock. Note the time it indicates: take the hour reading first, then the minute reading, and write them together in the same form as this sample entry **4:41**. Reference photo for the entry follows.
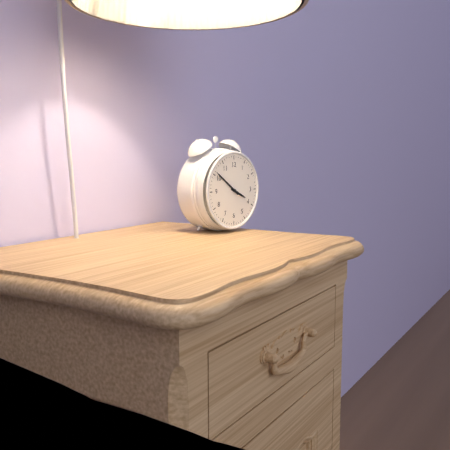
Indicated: **3:51**
